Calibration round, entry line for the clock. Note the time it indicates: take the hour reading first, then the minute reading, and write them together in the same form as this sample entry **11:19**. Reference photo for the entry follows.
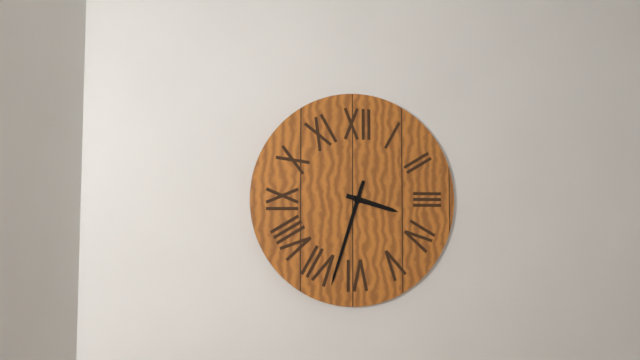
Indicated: **3:33**
